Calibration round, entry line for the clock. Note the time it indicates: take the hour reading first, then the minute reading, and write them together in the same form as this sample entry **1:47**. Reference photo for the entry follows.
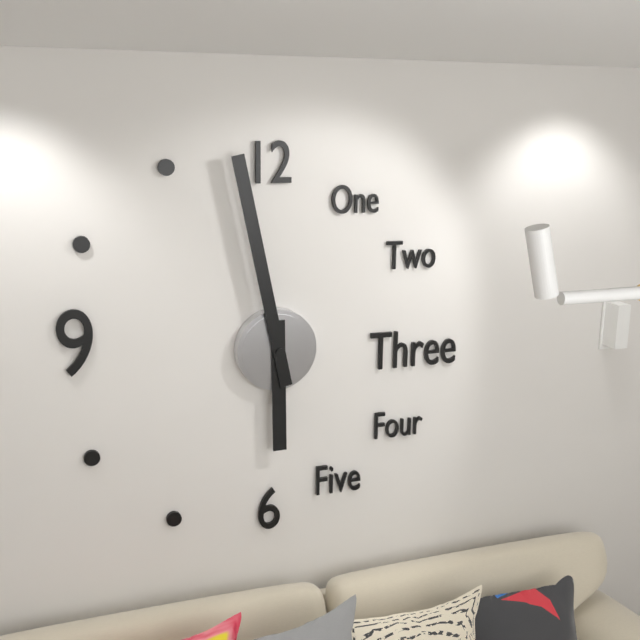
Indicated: **5:58**
